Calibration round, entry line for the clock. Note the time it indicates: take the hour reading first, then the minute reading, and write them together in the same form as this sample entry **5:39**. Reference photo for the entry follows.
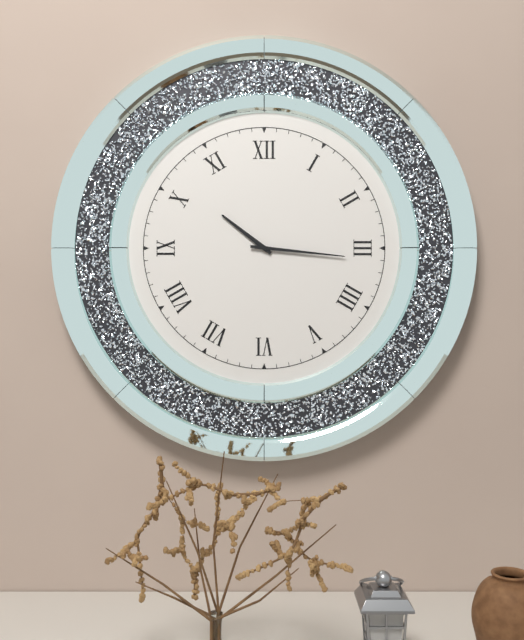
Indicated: **10:16**
